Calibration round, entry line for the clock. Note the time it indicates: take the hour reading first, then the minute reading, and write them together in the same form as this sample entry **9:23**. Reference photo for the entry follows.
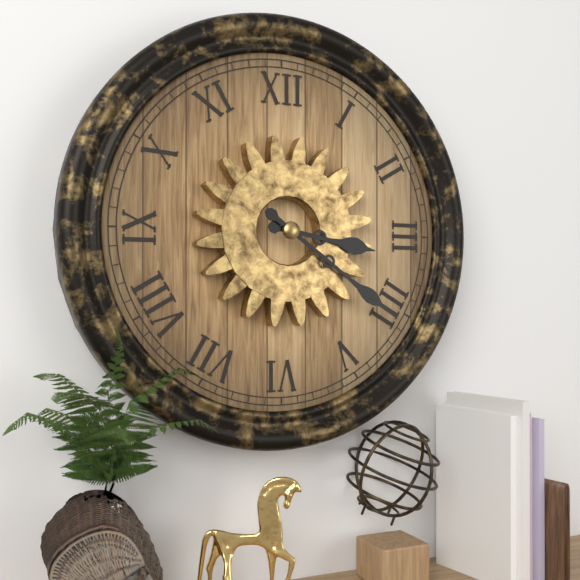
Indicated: **3:21**
